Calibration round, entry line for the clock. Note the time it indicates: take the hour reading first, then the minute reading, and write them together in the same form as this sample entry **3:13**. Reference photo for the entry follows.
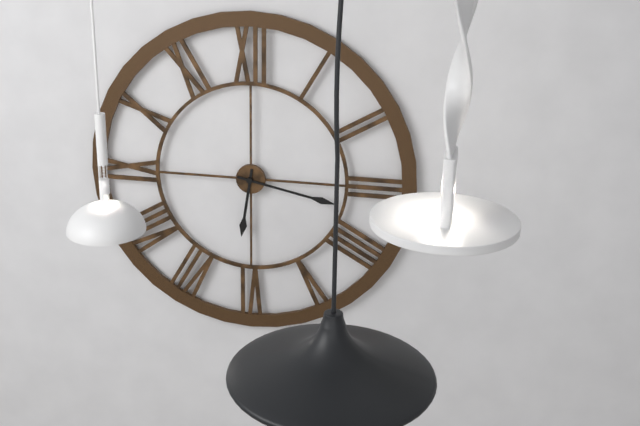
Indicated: **6:17**
